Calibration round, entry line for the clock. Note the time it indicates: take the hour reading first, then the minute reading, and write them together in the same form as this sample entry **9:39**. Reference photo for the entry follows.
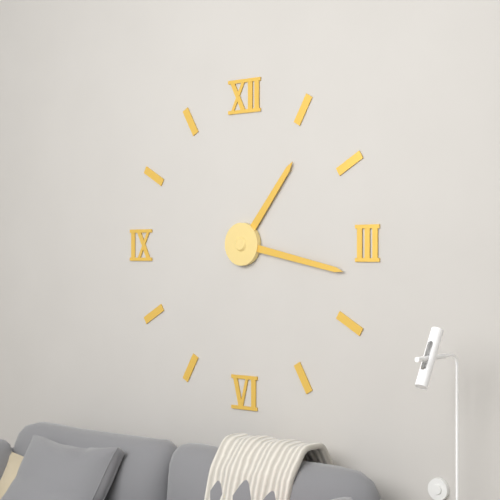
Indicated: **1:17**
